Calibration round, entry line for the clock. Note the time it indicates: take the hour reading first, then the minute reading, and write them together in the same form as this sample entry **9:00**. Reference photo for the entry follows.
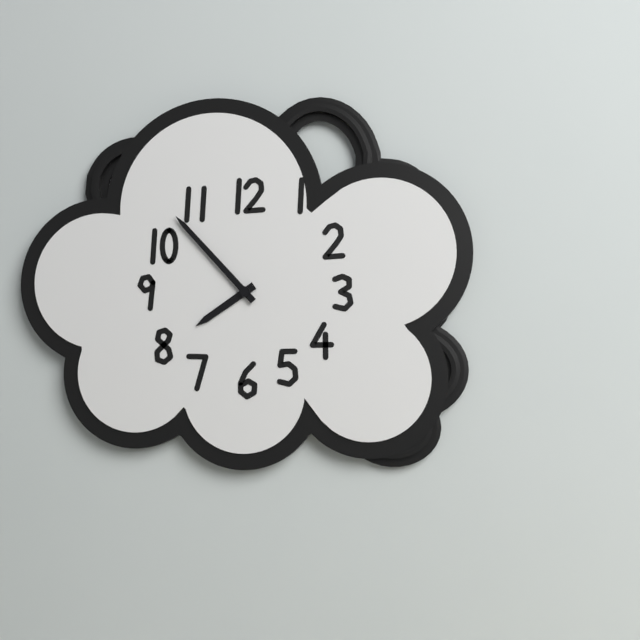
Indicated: **7:53**
